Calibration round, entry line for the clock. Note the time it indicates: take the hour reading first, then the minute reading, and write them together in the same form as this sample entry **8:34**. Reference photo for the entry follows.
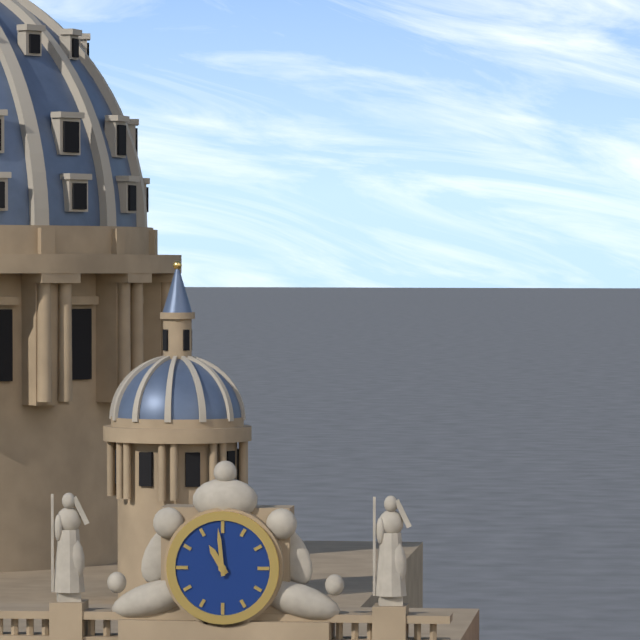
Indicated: **10:59**
